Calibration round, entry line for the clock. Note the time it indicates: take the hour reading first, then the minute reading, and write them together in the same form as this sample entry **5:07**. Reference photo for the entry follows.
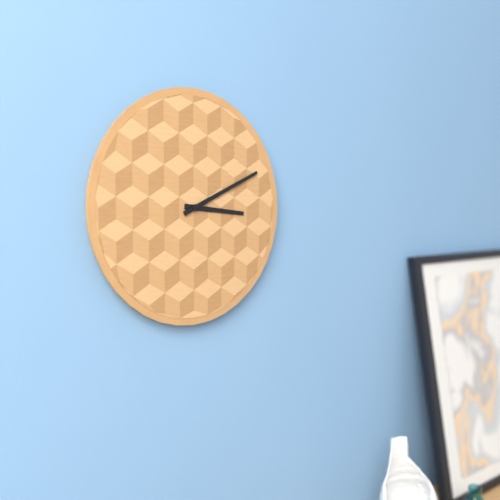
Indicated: **3:11**
